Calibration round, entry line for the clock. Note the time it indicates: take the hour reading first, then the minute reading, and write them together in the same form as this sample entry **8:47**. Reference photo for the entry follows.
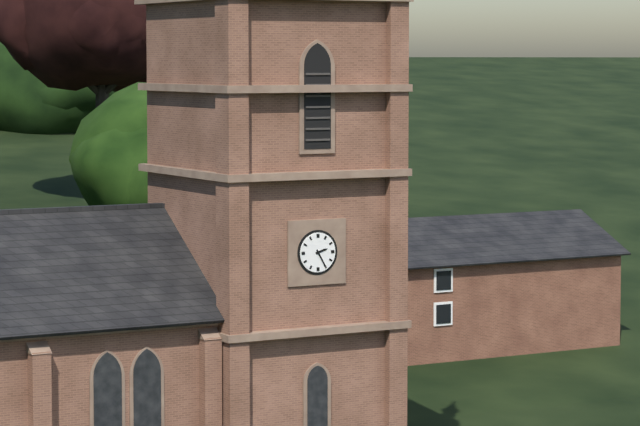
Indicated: **2:25**
